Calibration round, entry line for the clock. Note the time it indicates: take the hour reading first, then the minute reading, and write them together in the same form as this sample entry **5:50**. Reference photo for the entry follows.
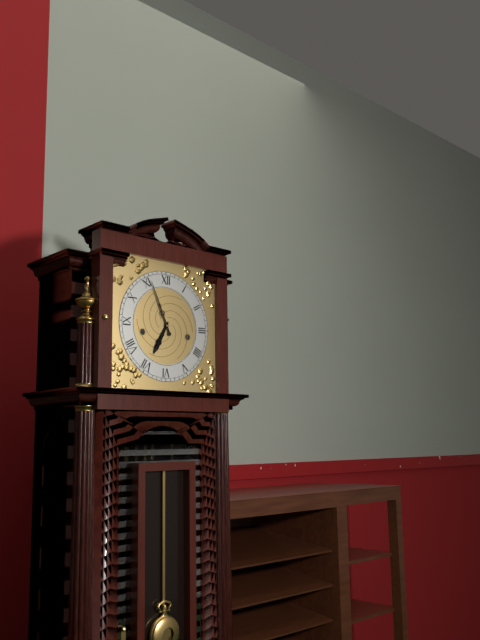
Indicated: **6:56**
